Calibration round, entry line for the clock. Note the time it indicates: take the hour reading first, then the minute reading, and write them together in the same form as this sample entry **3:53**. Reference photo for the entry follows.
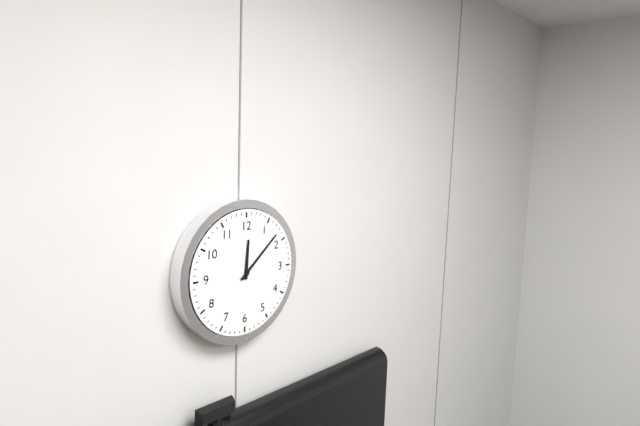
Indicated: **12:08**
